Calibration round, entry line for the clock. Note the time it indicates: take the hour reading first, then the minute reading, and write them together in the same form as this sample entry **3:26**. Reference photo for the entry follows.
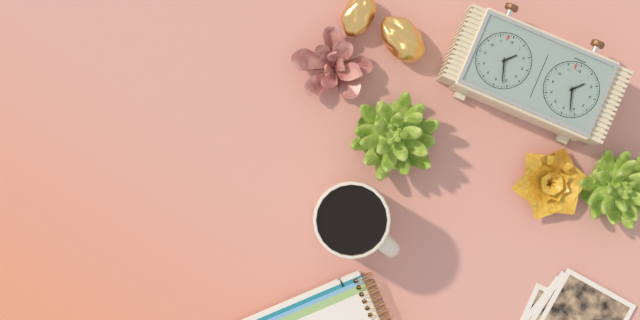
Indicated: **1:27**
